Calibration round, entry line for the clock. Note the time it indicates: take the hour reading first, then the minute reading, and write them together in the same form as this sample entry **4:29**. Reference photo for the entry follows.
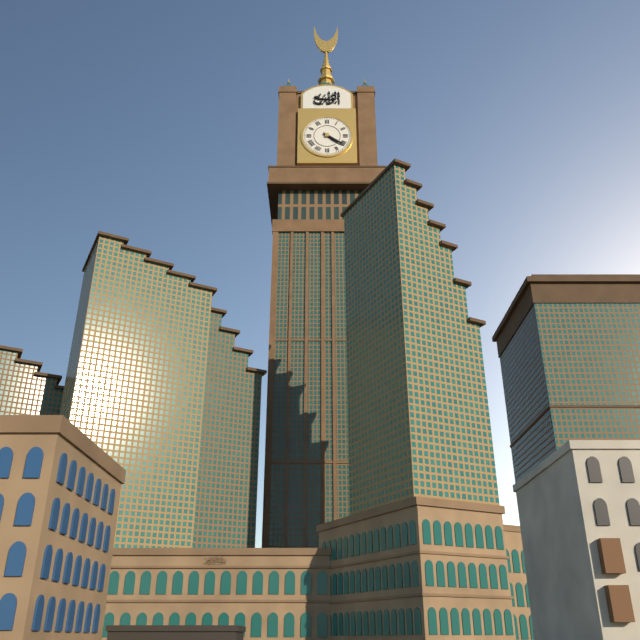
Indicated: **4:21**
